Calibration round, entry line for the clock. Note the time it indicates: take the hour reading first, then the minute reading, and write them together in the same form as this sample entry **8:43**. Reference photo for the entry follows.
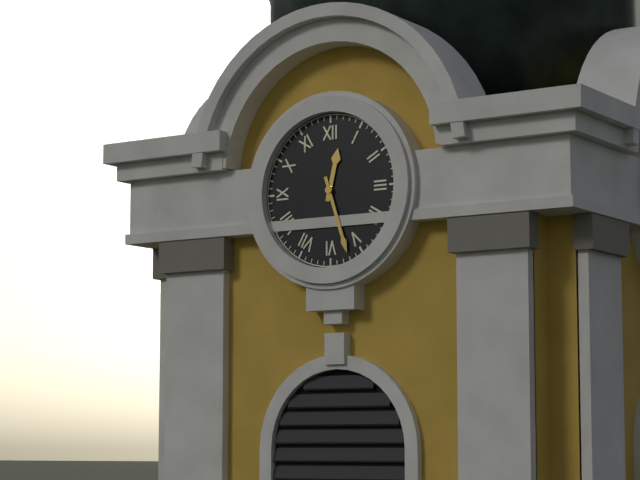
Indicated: **12:27**
